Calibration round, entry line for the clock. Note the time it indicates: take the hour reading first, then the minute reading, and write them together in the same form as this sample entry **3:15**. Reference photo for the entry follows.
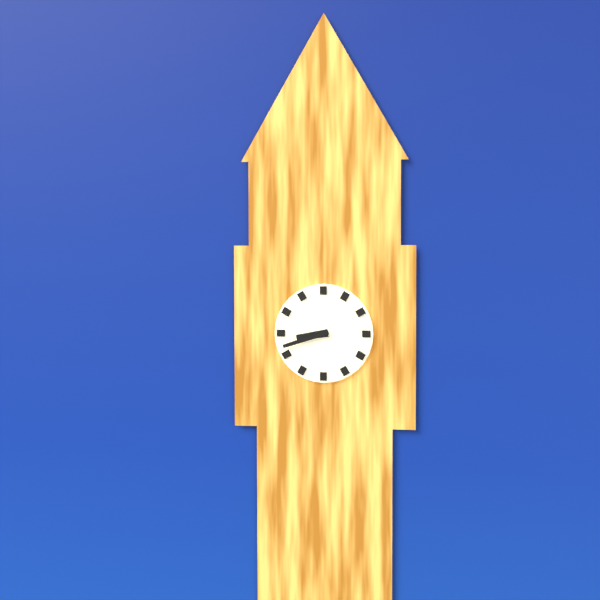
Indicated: **8:42**
